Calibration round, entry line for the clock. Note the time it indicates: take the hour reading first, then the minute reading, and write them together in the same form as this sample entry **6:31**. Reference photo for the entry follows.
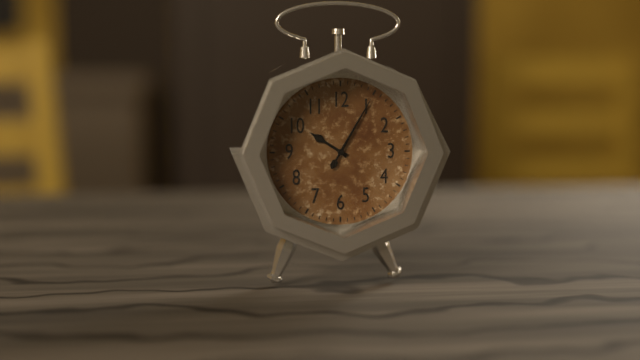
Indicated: **10:05**
